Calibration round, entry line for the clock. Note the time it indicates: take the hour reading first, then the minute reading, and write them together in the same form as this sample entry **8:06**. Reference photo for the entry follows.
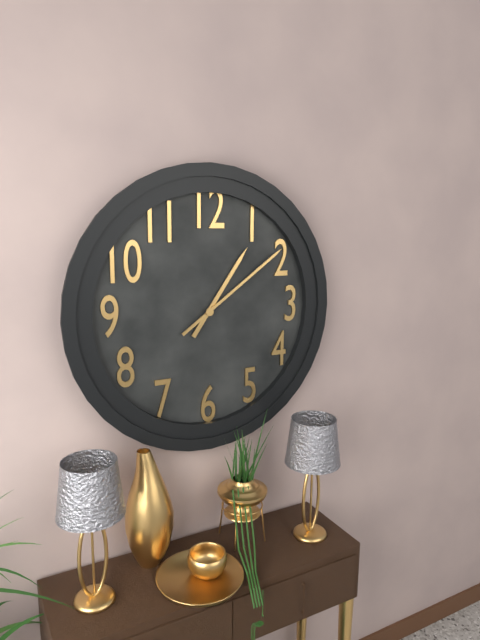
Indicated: **1:09**
